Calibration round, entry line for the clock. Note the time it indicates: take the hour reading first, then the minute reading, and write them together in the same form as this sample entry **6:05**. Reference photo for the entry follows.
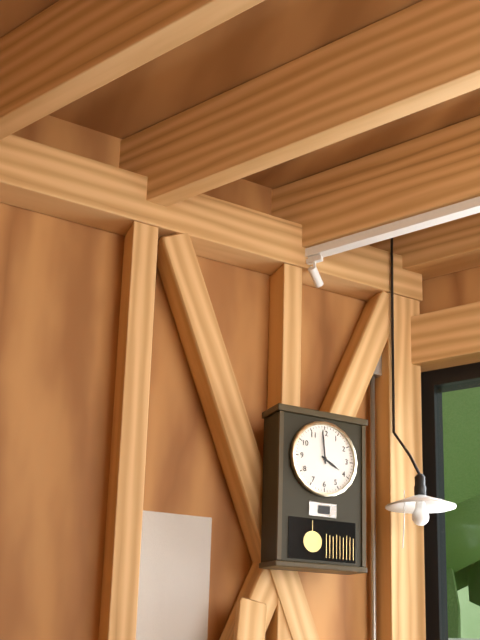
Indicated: **3:59**
